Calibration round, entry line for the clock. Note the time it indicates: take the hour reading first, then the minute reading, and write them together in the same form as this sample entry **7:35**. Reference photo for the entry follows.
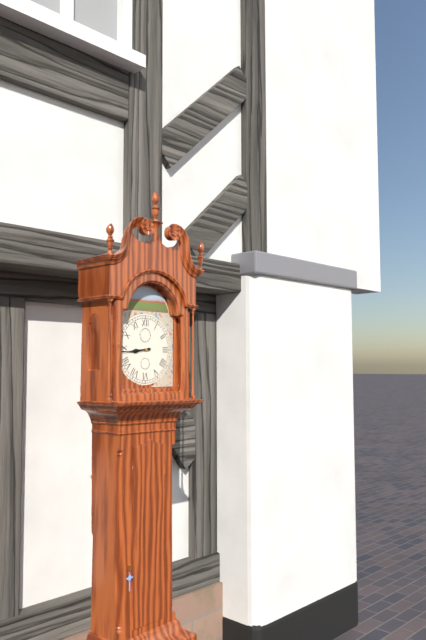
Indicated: **8:44**
